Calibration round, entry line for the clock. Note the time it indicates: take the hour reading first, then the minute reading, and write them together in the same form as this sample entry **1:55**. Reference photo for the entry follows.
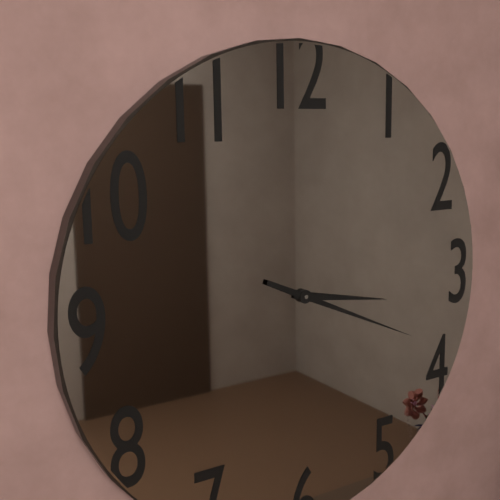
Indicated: **3:19**
